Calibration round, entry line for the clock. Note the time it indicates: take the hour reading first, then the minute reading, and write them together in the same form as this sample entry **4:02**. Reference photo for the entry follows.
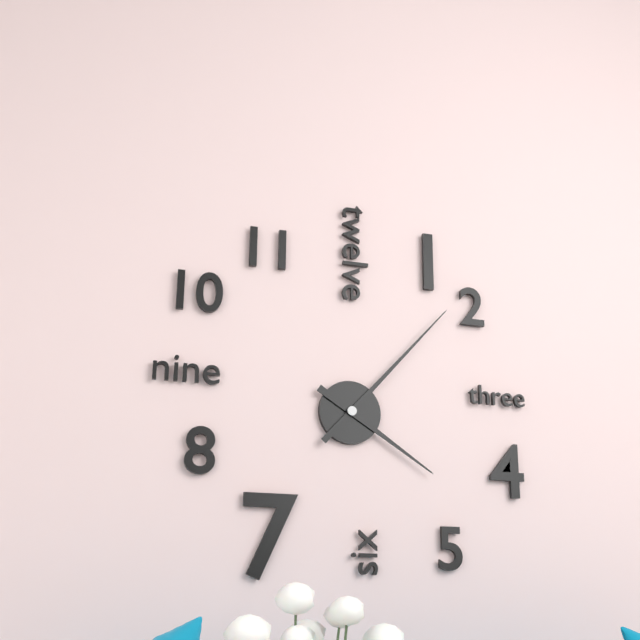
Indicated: **4:07**
